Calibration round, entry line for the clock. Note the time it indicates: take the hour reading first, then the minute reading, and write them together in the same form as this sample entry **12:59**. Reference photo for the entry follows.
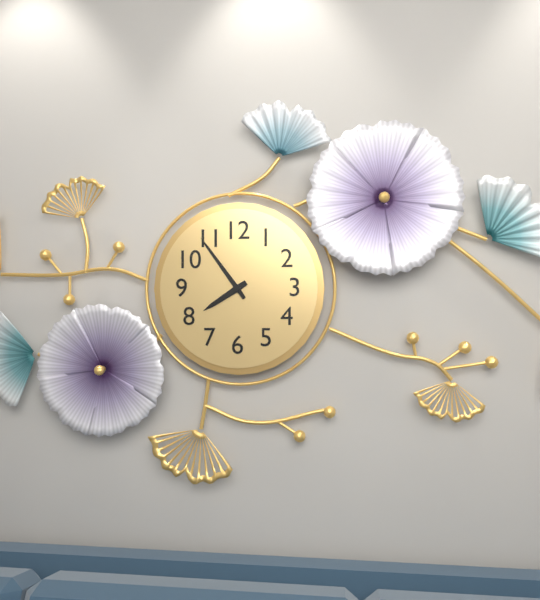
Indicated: **7:54**
